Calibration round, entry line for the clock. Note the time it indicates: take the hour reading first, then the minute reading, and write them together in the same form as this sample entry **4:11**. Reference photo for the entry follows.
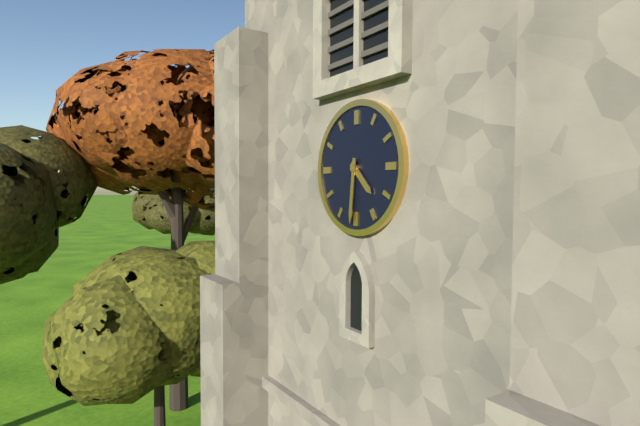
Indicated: **4:31**
